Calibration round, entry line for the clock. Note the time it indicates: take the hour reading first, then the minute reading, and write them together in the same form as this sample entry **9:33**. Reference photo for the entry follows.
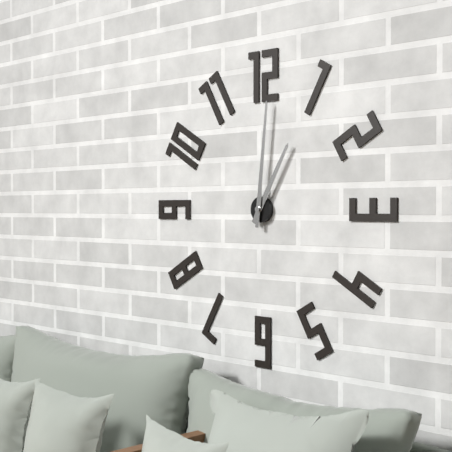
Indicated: **1:01**
